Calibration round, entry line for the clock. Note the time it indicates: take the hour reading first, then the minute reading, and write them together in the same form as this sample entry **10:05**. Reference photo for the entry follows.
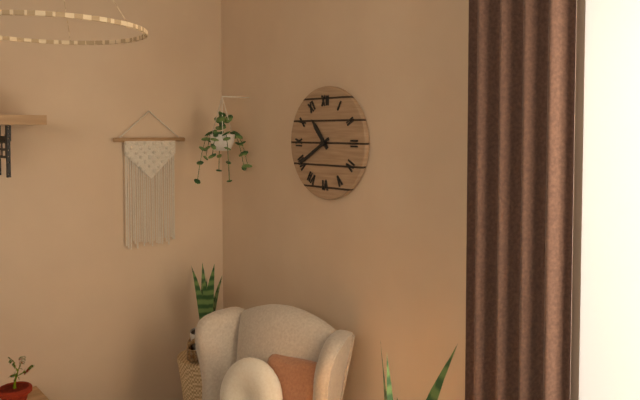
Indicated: **10:40**
